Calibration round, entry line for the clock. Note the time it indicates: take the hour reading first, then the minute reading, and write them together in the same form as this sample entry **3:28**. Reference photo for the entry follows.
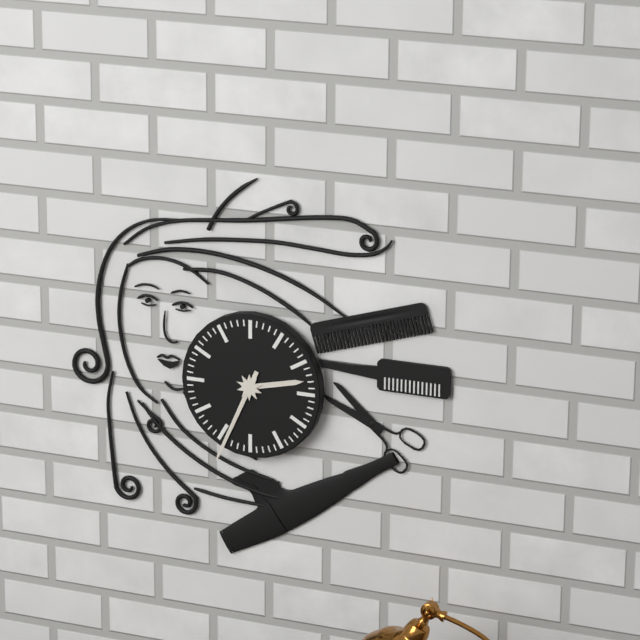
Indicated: **2:34**
